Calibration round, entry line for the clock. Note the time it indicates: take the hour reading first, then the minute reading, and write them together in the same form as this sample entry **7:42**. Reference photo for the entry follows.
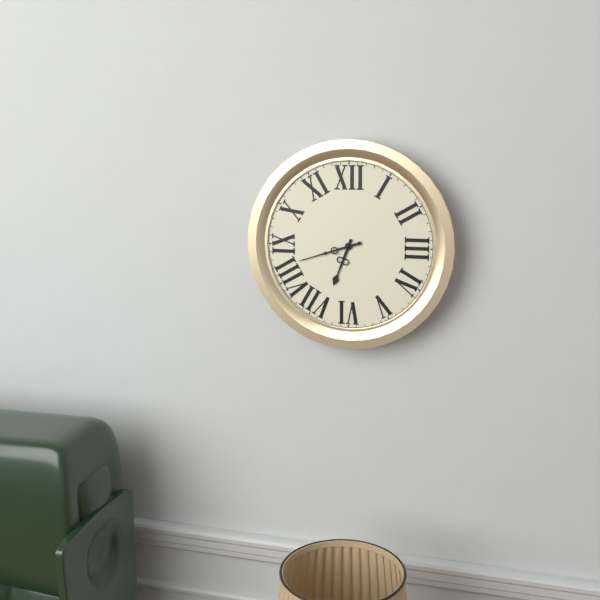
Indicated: **6:42**
